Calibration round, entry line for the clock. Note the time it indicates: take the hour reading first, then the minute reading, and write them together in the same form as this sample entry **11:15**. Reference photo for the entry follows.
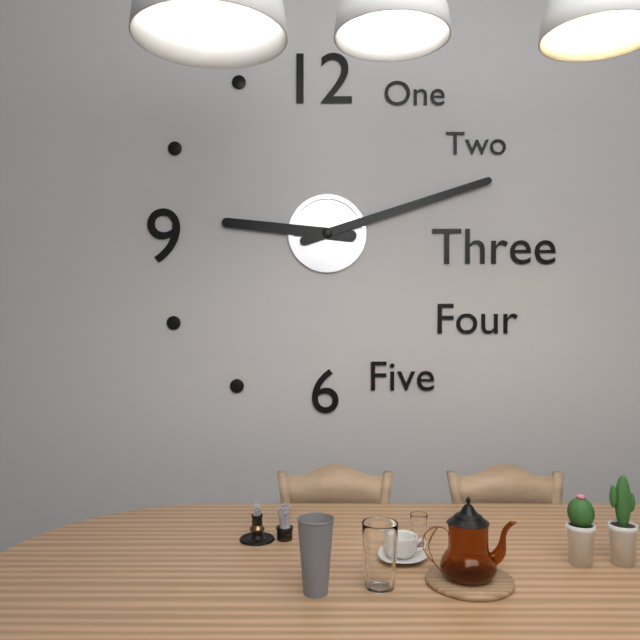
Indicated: **9:12**
